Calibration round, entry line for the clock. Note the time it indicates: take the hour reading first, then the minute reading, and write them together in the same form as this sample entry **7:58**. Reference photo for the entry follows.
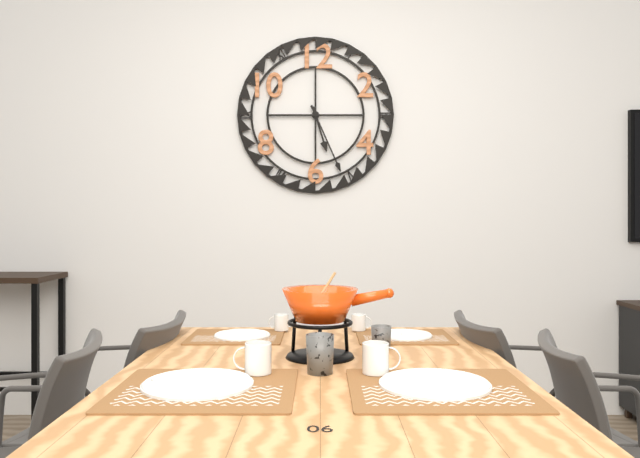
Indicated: **5:26**
